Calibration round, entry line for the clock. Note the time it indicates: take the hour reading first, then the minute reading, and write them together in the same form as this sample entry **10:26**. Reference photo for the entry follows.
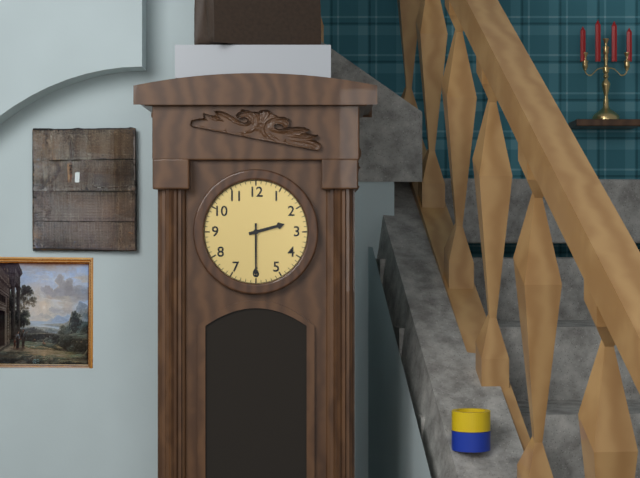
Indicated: **2:30**
